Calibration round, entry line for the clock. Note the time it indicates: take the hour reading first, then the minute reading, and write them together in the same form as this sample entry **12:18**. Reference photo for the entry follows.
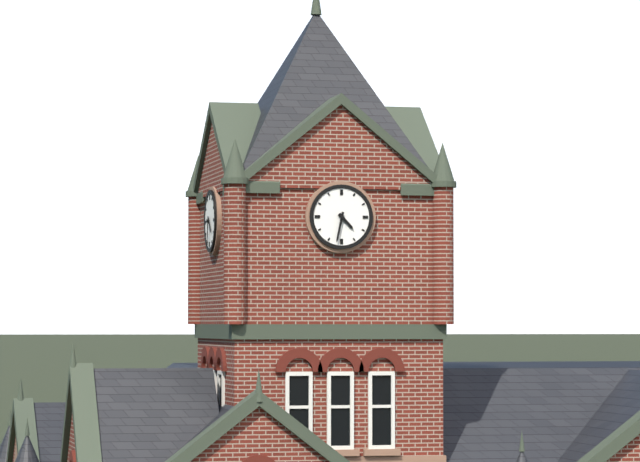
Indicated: **4:32**
